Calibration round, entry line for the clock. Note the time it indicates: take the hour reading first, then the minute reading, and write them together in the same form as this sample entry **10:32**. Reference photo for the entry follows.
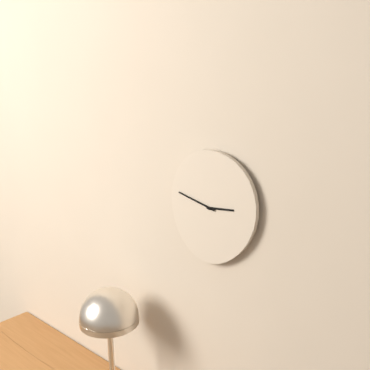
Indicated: **2:47**
